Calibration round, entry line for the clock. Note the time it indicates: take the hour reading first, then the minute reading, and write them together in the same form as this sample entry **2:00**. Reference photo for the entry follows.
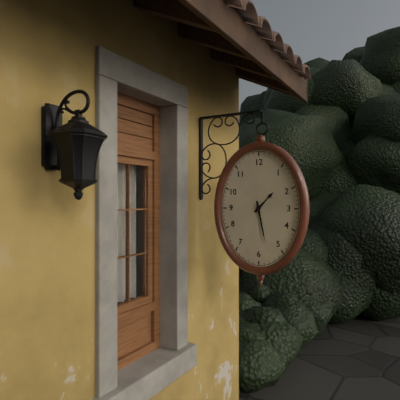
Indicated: **1:28**
